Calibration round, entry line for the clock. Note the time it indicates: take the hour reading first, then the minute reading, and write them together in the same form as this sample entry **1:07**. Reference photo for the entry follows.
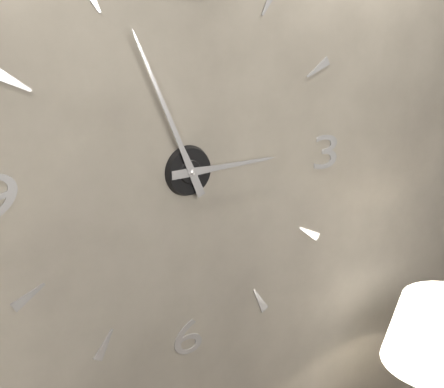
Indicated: **2:56**
